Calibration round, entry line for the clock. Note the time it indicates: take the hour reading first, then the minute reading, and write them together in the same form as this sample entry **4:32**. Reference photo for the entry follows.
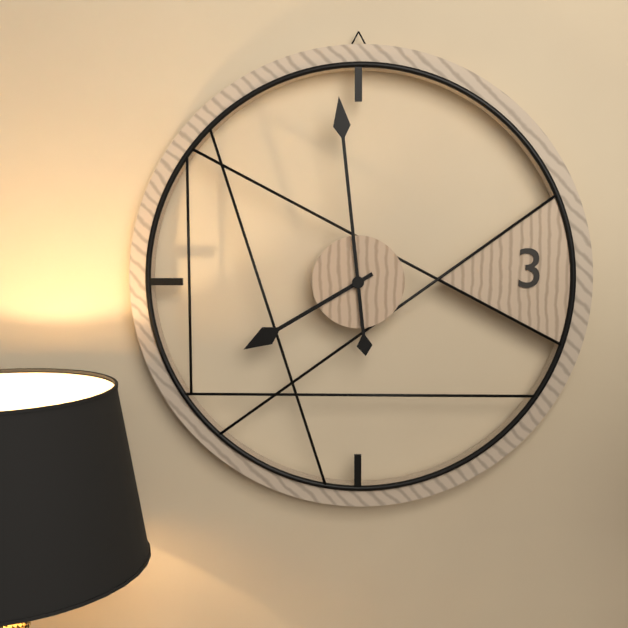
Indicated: **7:59**
